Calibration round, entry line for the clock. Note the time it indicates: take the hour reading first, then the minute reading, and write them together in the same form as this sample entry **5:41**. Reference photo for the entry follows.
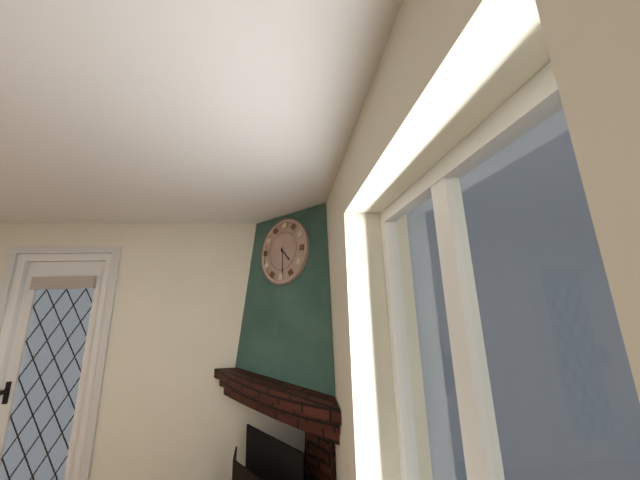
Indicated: **4:29**
